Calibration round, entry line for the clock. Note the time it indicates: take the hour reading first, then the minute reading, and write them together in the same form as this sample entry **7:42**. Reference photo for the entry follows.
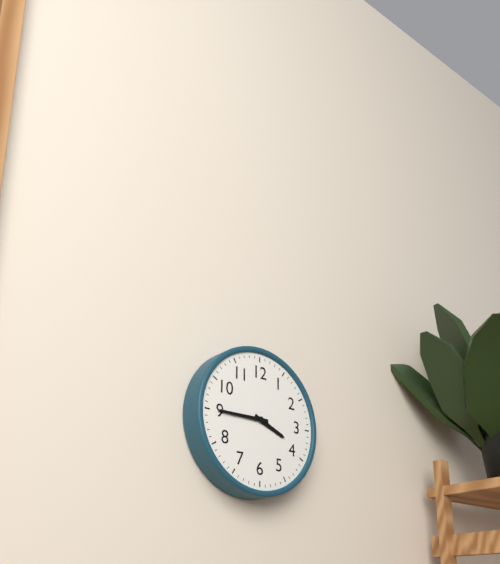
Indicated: **3:45**
